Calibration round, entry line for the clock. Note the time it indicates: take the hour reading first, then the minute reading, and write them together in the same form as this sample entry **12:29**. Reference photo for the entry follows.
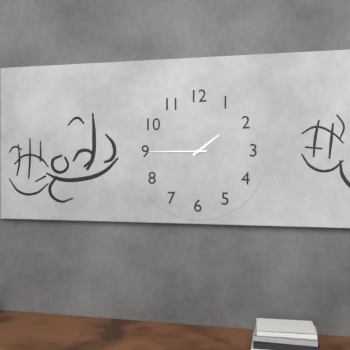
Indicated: **1:45**
